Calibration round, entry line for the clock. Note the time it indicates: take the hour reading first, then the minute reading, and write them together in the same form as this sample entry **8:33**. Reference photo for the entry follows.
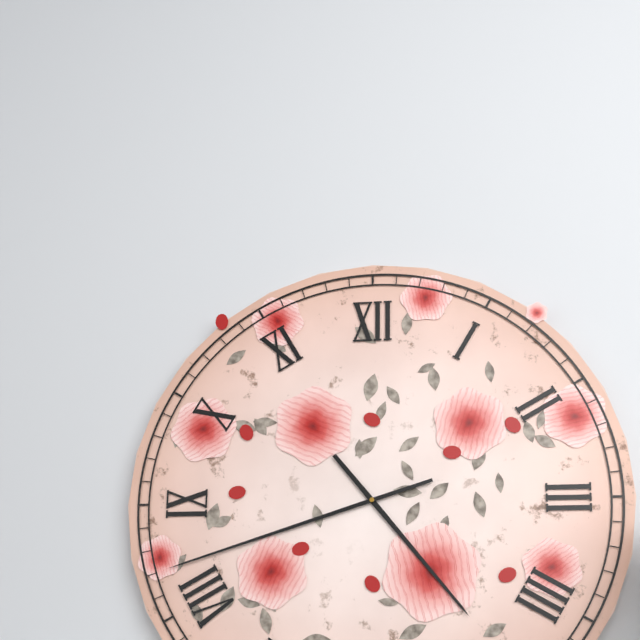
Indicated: **4:42**
